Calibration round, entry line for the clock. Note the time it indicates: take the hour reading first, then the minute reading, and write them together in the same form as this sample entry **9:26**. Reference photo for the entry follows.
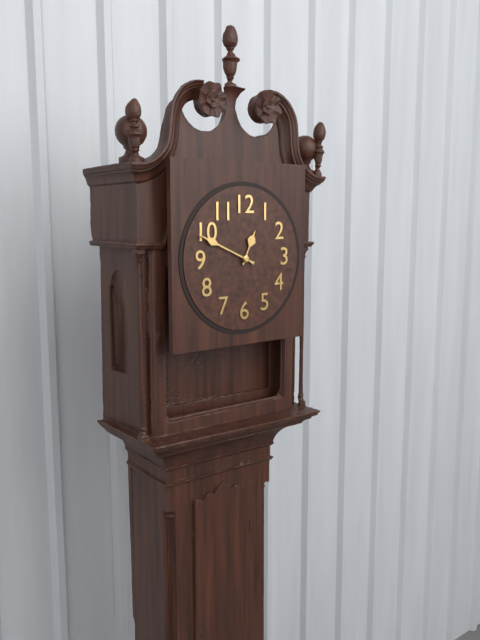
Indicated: **12:49**
